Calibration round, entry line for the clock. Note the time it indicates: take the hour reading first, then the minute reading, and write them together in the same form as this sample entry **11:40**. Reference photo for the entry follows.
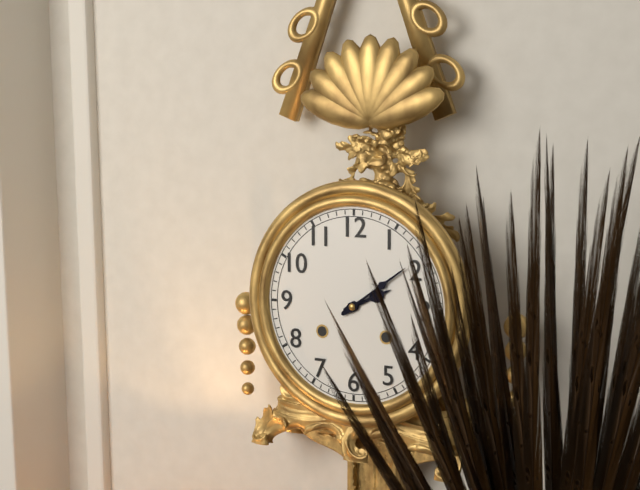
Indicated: **2:09**
